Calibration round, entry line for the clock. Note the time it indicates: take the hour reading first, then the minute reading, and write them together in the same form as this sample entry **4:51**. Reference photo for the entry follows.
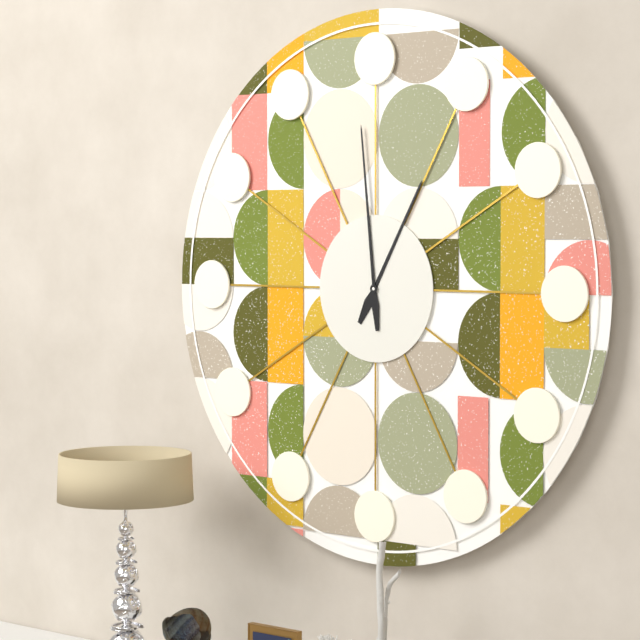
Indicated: **12:59**
